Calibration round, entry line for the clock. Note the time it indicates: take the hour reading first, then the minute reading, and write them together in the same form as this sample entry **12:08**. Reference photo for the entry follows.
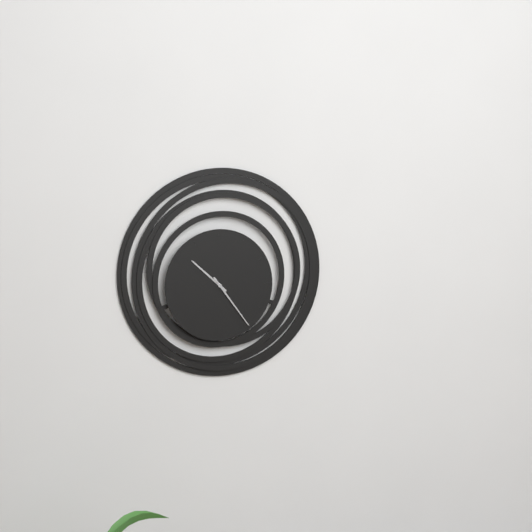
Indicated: **10:24**
